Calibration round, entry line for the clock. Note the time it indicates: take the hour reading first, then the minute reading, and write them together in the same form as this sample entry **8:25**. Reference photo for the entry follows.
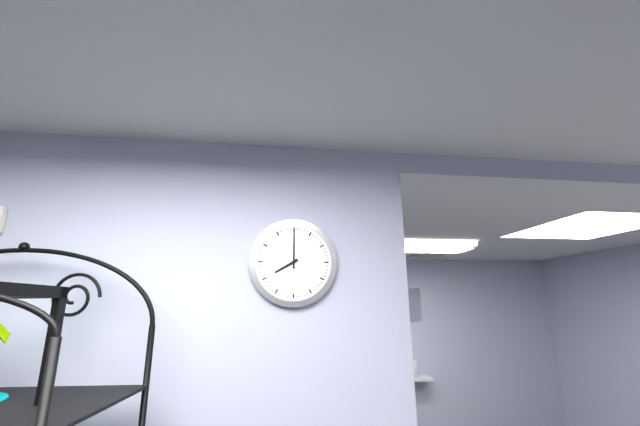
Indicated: **8:00**
